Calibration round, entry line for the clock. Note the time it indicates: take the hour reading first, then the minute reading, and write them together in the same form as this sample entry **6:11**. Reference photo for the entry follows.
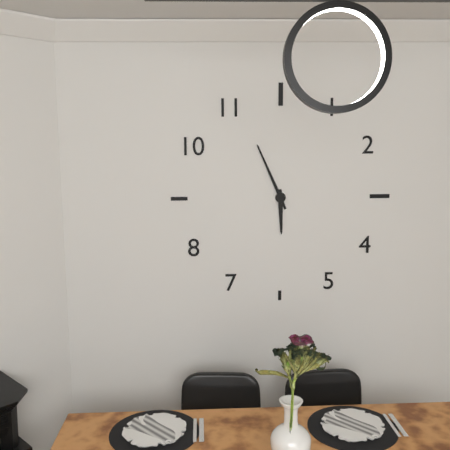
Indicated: **5:56**
